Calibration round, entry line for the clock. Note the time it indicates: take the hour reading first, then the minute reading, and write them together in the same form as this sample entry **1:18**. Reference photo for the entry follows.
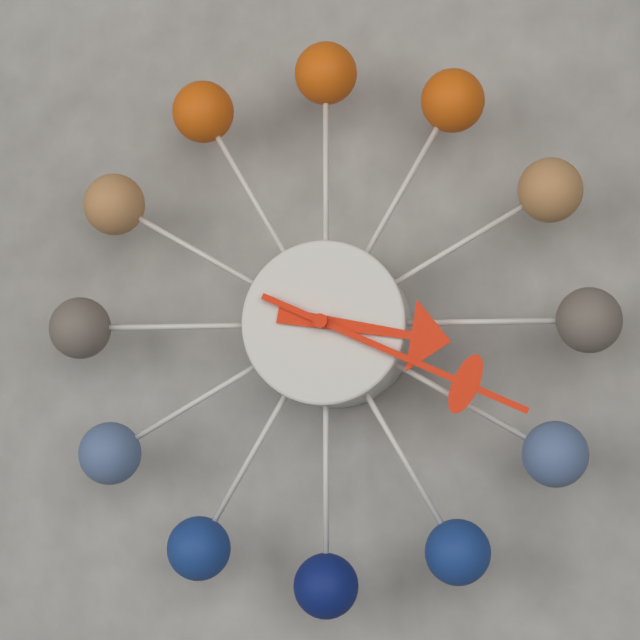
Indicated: **3:19**
